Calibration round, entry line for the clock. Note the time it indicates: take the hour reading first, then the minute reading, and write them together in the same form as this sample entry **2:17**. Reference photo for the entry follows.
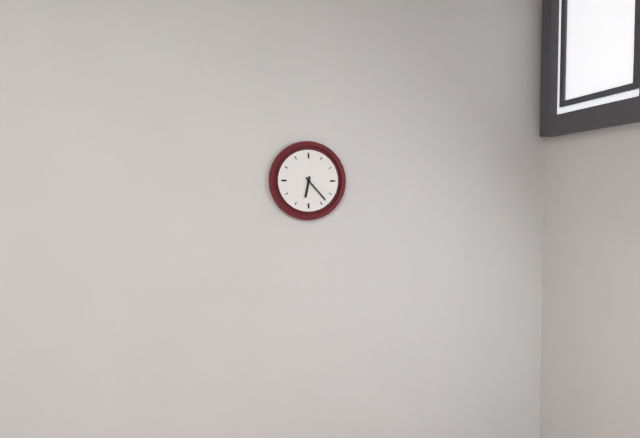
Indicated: **6:23**
